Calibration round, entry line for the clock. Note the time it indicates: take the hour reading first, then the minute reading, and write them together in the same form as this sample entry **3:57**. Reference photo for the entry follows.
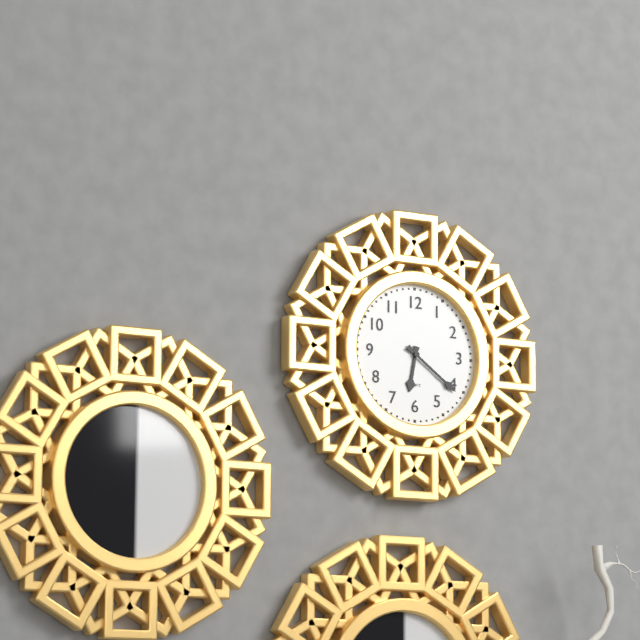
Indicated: **6:21**
